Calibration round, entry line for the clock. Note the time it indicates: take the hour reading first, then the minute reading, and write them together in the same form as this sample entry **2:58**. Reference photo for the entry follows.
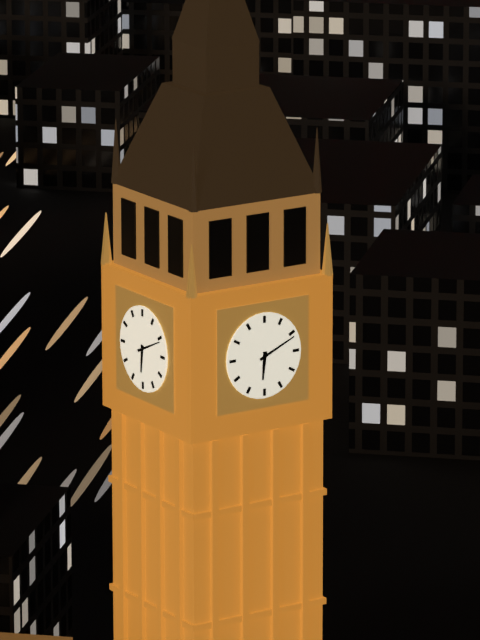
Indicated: **6:11**
